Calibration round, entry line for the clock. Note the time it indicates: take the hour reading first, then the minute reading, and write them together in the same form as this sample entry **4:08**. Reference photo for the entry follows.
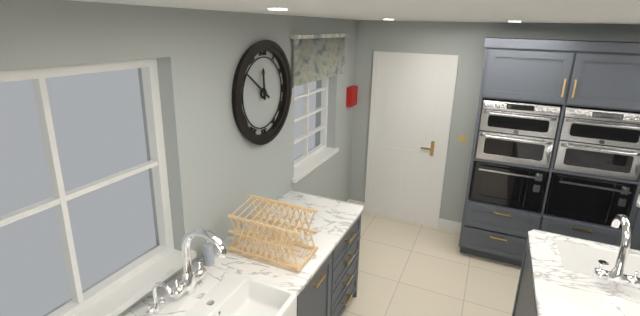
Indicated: **11:51**
